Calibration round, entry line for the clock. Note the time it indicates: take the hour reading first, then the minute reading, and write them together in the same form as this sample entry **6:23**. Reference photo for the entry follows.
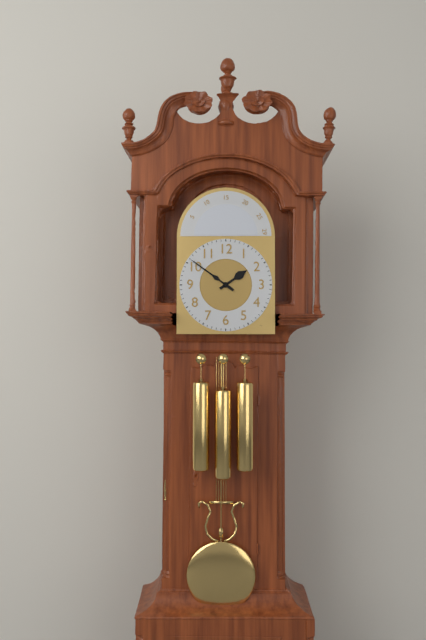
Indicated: **1:51**
